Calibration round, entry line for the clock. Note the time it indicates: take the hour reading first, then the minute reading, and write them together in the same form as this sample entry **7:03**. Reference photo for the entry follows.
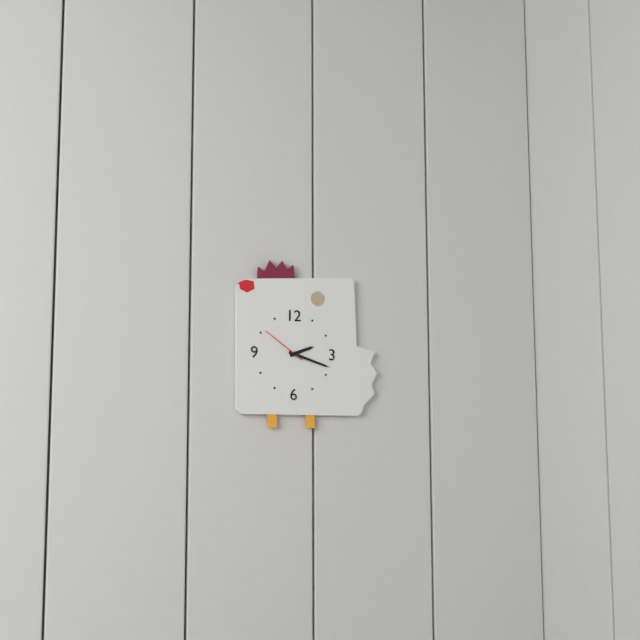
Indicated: **2:18**
